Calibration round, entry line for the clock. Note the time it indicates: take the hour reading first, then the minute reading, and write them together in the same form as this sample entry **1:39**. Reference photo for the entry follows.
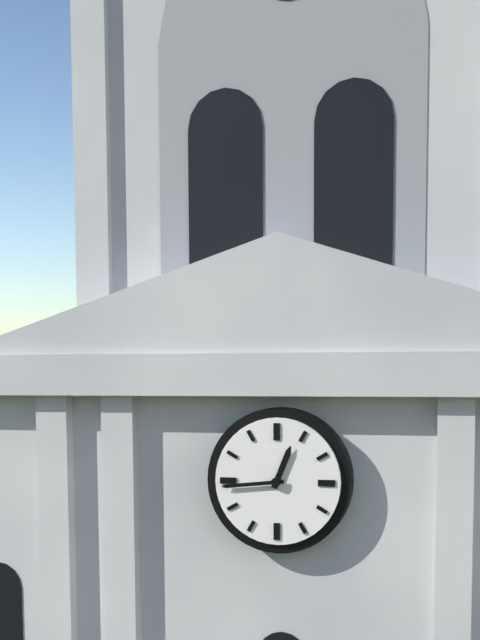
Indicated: **12:44**
